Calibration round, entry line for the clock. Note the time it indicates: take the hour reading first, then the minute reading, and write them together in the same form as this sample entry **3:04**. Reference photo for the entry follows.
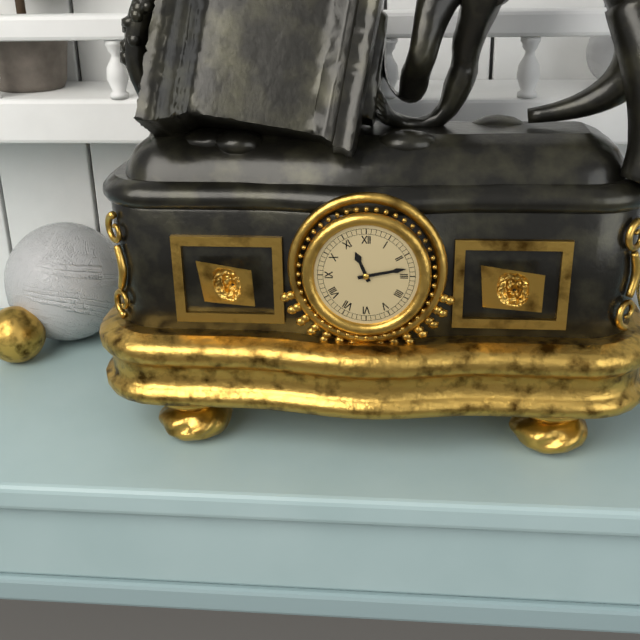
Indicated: **11:13**
